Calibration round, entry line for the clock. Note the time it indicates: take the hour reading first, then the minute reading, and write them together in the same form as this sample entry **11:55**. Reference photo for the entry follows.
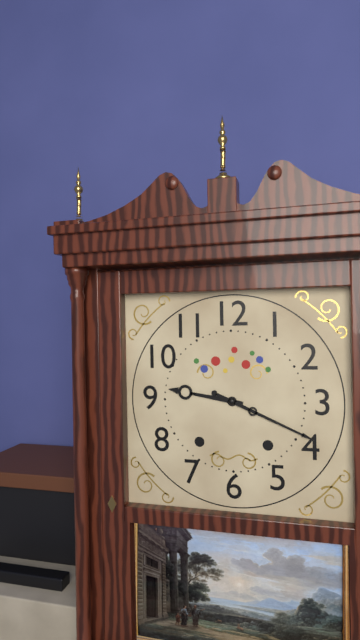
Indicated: **9:19**
